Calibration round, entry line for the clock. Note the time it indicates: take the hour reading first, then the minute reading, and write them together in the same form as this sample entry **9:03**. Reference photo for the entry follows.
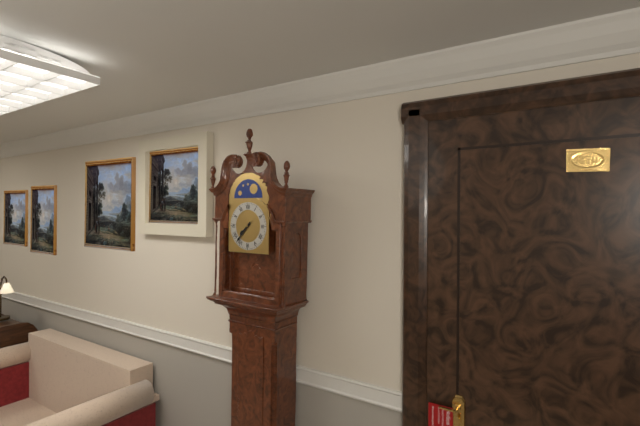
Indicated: **7:37**
